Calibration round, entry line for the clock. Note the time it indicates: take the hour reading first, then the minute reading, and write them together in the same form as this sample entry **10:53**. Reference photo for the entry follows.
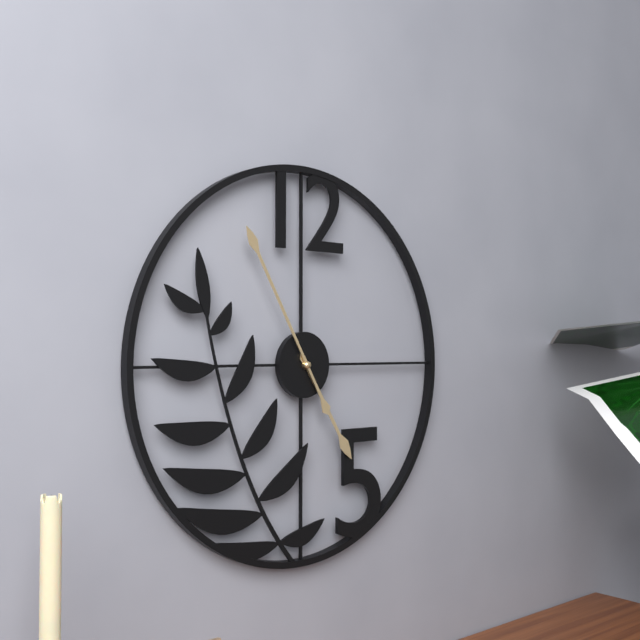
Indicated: **4:55**
